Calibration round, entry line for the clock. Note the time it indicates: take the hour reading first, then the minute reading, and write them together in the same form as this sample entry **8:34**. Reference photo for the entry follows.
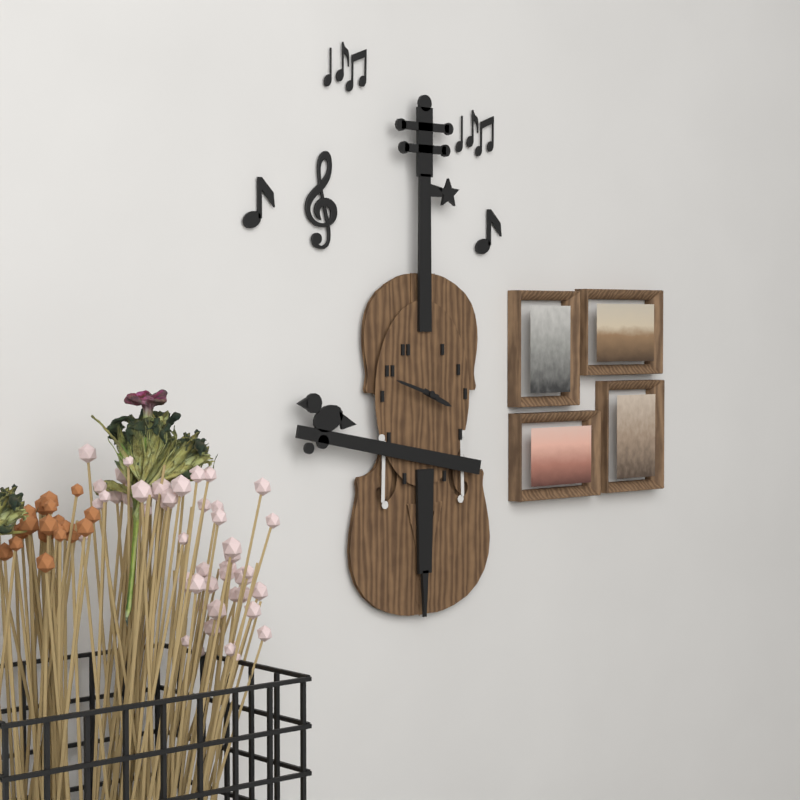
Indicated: **3:48**
